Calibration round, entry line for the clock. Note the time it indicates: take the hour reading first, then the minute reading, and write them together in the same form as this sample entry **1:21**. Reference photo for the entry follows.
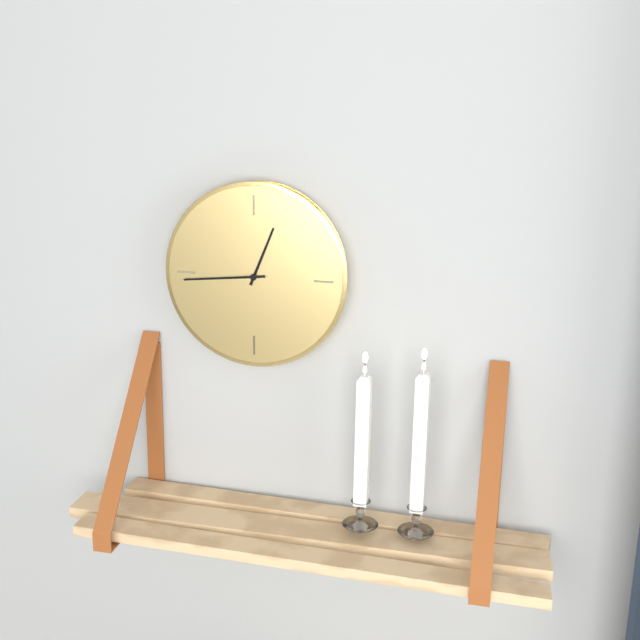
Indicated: **12:44**
